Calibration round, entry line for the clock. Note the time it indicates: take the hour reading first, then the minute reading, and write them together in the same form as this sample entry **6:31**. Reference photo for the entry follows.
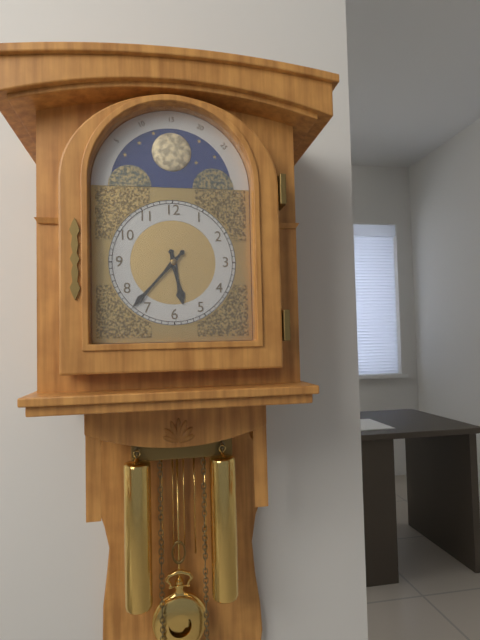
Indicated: **5:37**
